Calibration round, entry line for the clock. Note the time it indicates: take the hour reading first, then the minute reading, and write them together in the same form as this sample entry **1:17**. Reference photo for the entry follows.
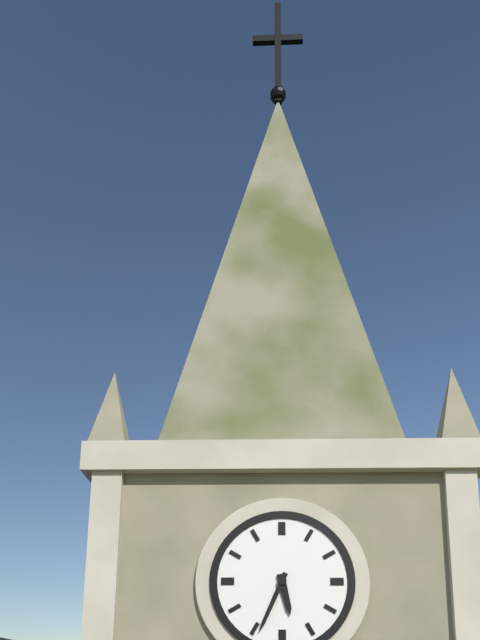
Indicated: **5:34**
